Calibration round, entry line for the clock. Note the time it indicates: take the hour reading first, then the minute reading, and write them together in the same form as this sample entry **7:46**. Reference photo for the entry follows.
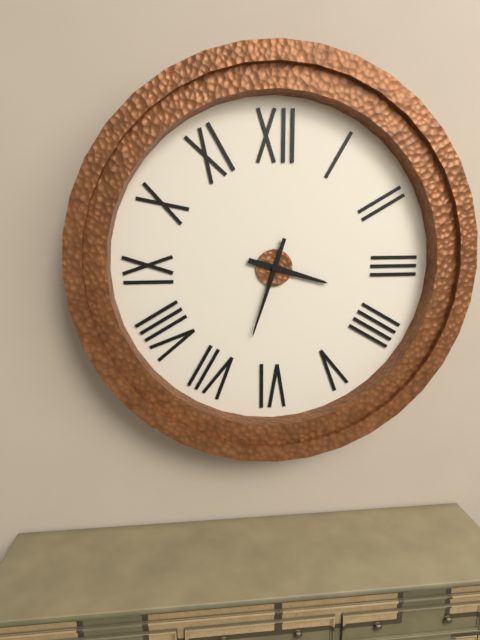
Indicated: **3:33**
